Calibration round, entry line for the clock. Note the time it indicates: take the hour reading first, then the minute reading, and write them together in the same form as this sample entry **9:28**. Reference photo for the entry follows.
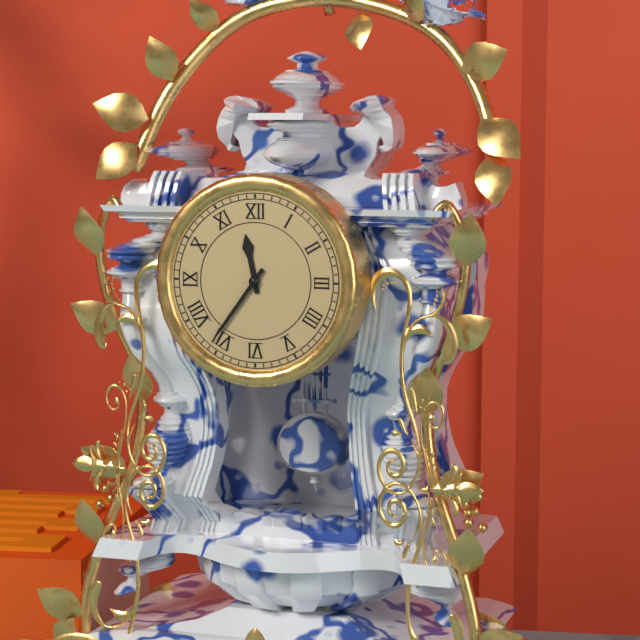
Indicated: **11:36**
